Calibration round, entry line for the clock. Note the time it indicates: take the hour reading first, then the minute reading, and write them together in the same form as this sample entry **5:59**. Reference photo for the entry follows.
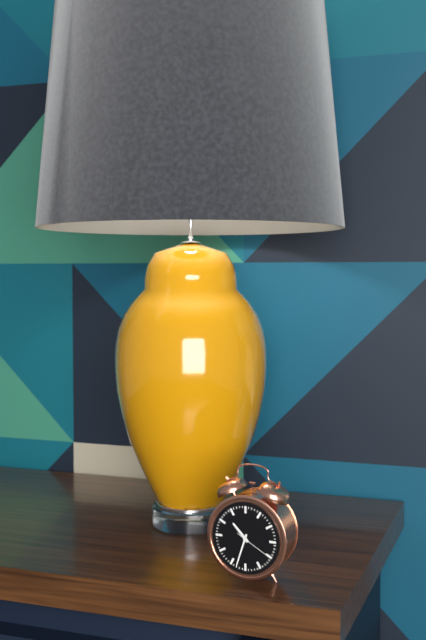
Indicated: **10:33**
